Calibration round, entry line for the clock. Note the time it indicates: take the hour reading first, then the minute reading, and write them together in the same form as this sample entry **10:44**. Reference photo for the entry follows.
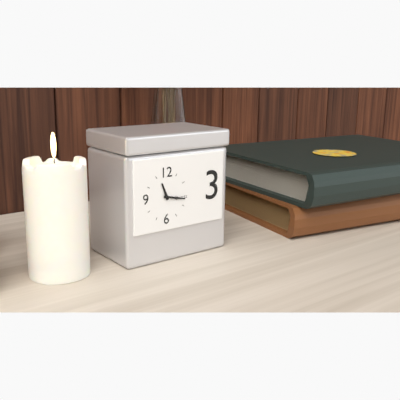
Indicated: **11:17**
